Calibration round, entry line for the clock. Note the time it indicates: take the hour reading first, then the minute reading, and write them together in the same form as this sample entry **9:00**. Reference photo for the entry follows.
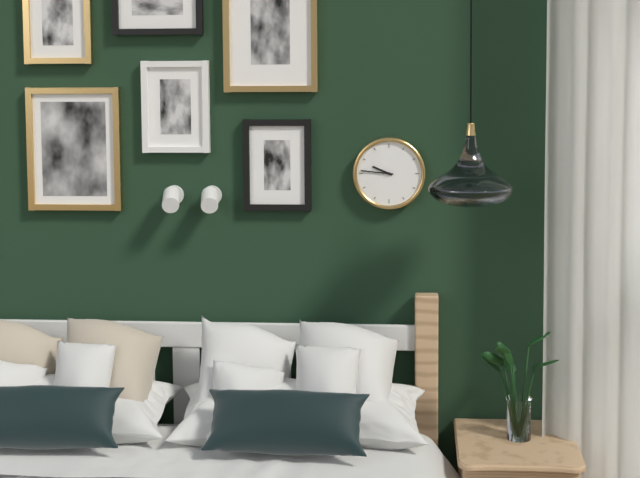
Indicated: **9:46**
